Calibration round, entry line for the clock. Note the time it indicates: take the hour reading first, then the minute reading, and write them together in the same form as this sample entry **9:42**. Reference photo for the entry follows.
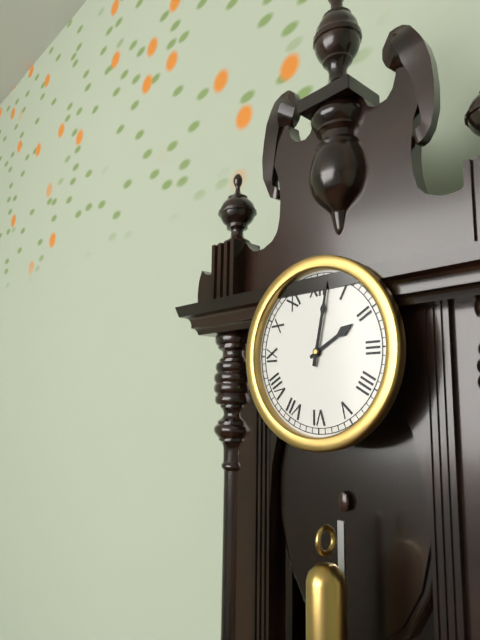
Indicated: **2:02**
